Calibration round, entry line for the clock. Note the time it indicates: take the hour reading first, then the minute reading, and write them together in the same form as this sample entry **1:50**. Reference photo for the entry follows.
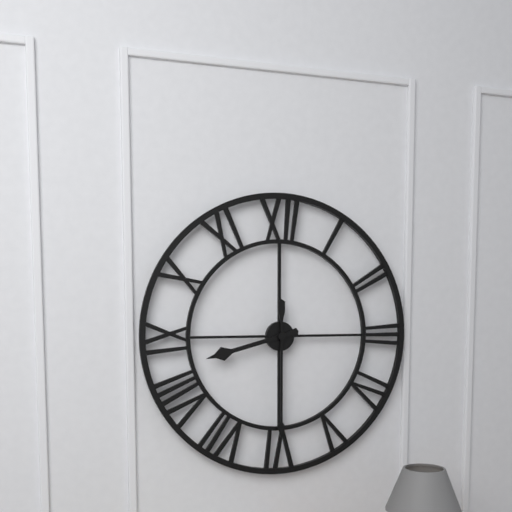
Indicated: **8:30**
